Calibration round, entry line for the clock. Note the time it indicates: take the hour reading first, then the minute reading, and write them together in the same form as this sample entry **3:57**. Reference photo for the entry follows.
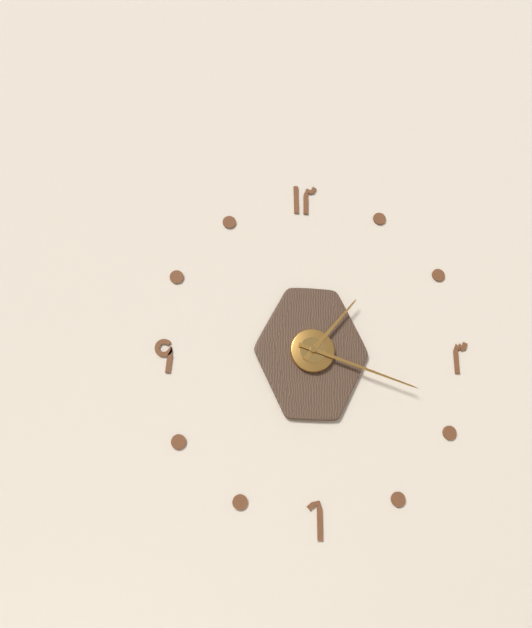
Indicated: **1:18**
